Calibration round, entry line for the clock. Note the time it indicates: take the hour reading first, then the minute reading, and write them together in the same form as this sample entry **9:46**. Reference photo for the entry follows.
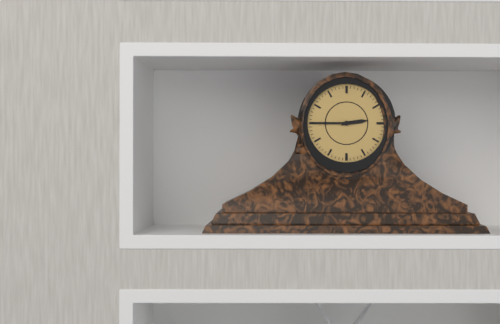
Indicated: **2:45**
